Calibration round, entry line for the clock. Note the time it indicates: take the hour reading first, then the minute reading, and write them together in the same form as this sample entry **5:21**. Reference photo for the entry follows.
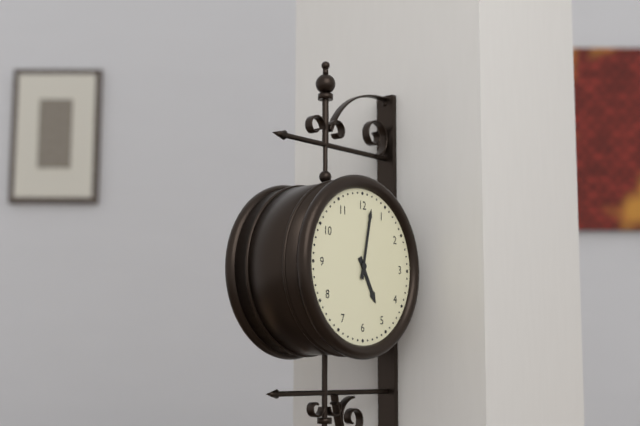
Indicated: **5:02**
